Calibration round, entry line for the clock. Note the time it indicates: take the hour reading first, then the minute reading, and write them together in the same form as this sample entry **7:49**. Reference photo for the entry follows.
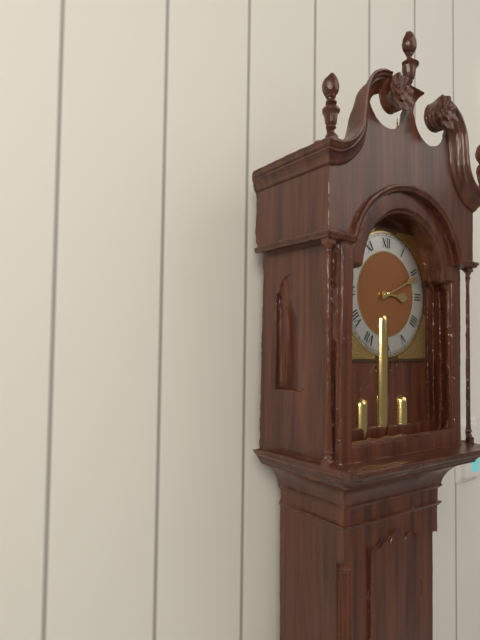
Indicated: **3:11**
